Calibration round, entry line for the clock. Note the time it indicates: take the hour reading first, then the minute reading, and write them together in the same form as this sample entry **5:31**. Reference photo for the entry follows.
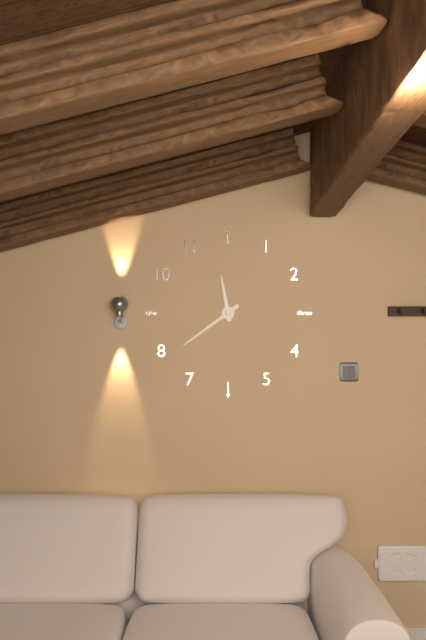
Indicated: **11:39**
